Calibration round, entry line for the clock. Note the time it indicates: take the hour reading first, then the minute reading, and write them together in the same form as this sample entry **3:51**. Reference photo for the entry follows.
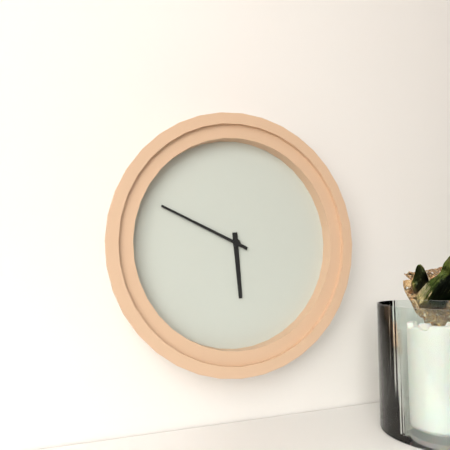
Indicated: **5:49**
